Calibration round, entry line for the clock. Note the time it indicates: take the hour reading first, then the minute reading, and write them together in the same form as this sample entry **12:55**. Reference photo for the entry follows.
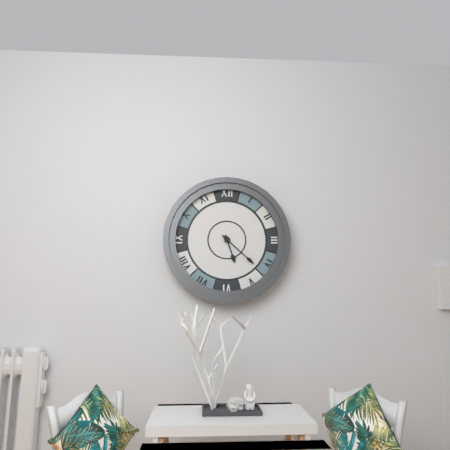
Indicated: **5:22**
